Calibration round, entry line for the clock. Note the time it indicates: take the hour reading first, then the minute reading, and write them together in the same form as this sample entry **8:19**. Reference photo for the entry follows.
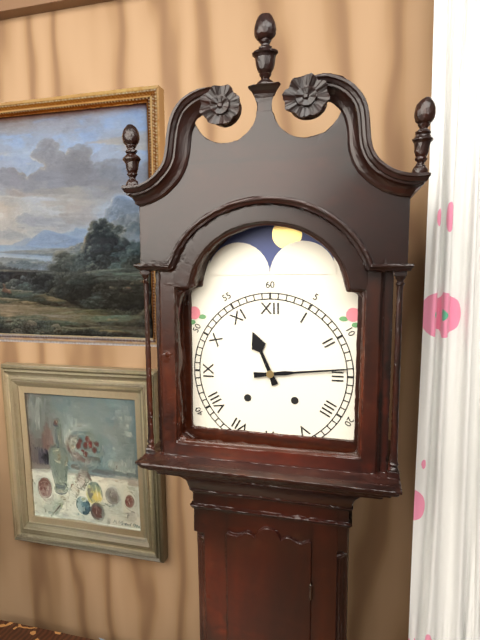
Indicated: **11:14**
